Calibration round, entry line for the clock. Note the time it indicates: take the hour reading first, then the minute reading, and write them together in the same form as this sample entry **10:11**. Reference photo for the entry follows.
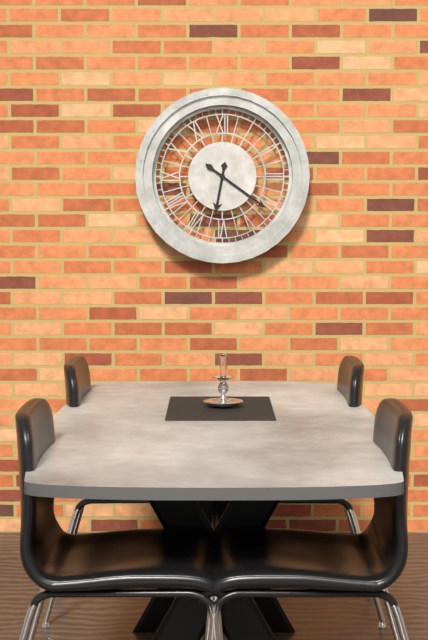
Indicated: **6:21**
